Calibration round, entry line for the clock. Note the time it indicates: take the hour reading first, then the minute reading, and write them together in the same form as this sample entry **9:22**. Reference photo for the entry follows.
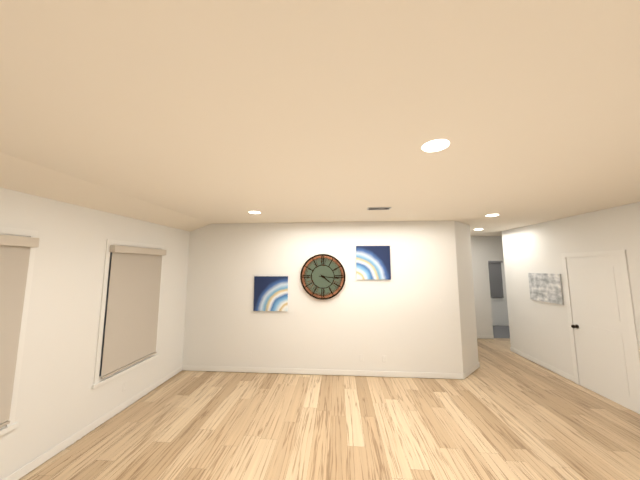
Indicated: **4:16**
